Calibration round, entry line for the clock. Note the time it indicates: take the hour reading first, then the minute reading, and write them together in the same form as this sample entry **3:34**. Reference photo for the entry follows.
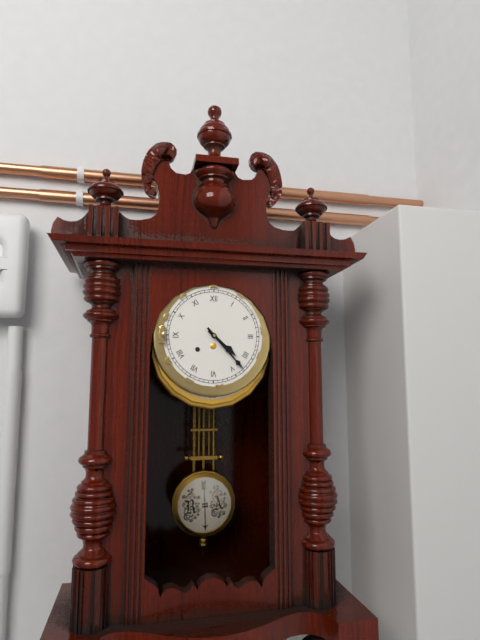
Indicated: **4:23**
